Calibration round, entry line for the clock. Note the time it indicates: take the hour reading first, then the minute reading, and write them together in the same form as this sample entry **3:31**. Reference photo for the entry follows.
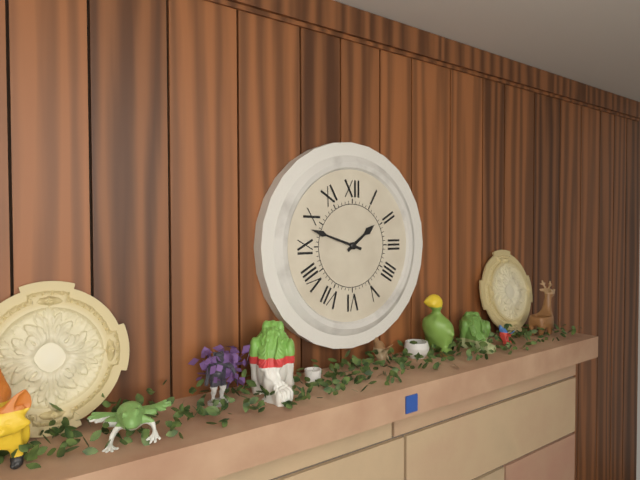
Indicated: **1:48**
